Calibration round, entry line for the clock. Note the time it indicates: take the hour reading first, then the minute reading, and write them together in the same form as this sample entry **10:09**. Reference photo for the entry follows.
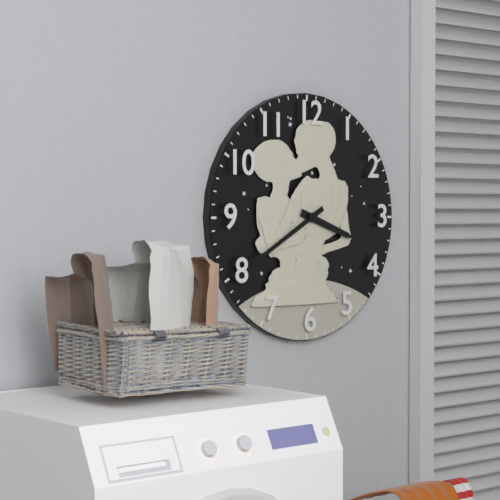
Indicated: **3:40**
